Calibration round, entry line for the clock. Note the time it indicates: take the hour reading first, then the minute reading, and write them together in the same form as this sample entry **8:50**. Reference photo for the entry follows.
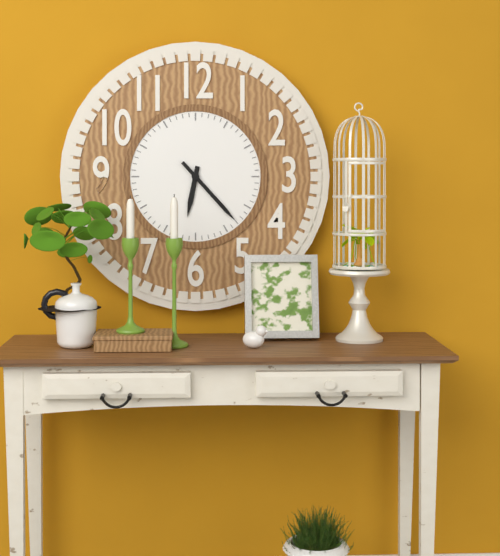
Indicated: **6:23**
